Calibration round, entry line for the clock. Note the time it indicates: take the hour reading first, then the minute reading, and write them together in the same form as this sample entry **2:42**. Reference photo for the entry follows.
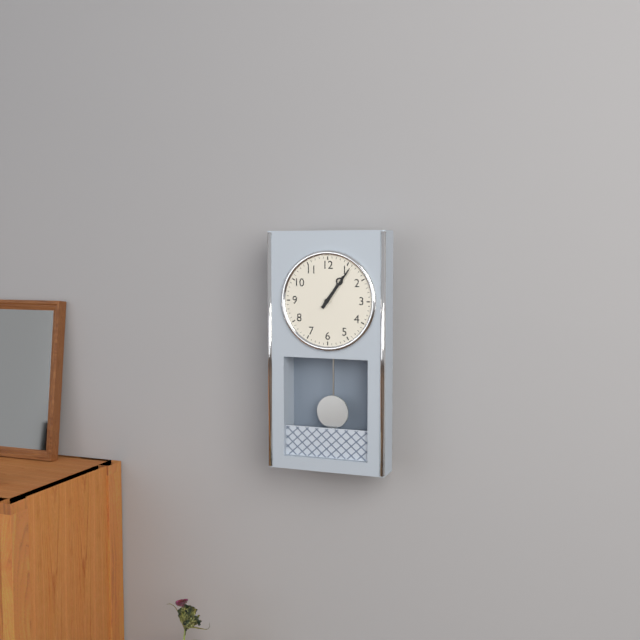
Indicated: **1:06**
